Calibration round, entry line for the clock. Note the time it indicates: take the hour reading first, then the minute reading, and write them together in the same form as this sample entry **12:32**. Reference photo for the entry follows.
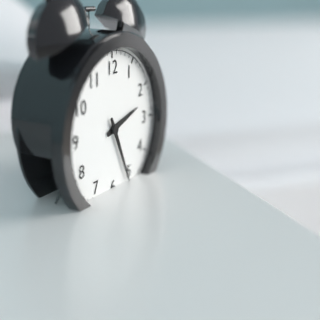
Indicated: **2:26**
